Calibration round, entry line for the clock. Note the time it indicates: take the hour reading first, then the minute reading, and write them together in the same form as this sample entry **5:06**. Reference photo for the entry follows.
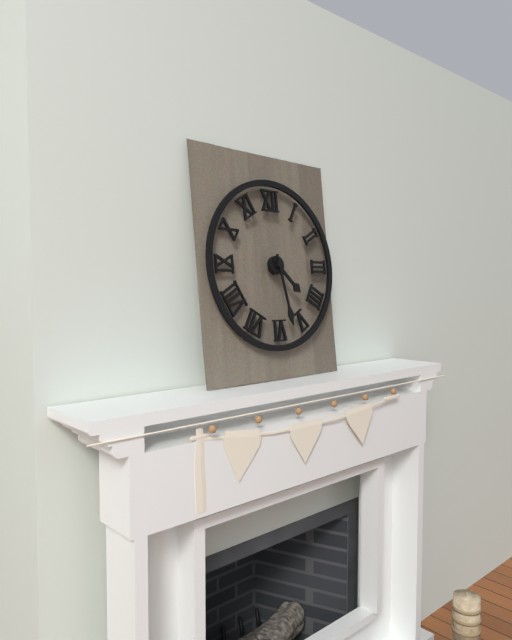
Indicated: **4:28**
